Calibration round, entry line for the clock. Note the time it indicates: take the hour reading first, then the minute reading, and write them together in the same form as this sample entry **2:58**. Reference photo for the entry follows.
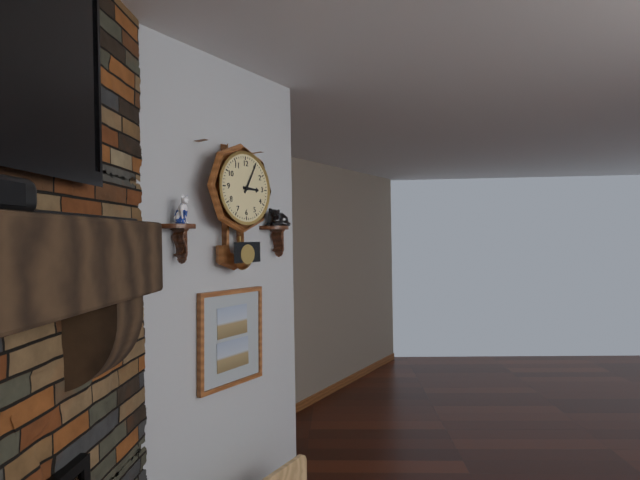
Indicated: **3:05**
